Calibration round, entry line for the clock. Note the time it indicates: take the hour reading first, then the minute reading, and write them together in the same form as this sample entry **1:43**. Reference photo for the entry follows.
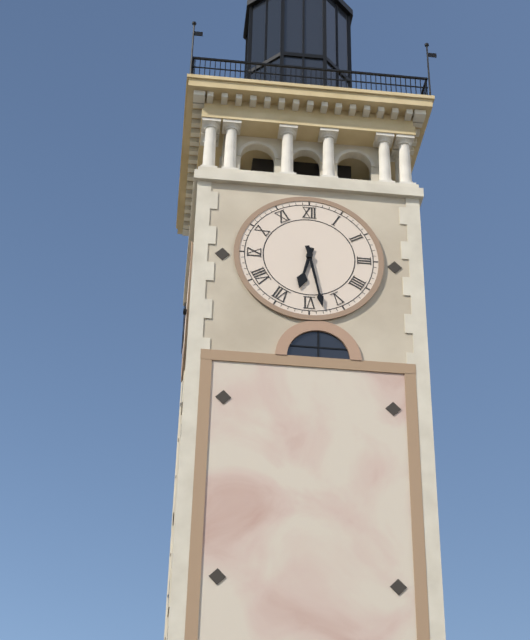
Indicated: **6:28**
